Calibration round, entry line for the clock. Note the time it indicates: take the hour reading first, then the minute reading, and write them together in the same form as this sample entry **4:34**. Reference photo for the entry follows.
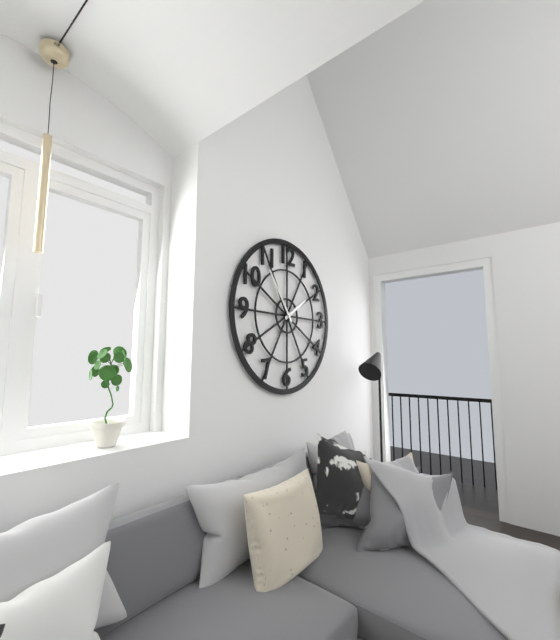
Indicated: **1:54**
